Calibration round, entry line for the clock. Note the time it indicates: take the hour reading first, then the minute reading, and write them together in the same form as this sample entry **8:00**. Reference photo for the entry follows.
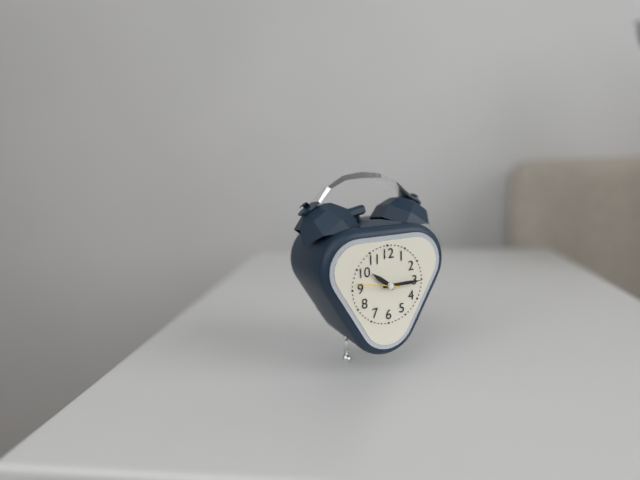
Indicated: **10:15**
